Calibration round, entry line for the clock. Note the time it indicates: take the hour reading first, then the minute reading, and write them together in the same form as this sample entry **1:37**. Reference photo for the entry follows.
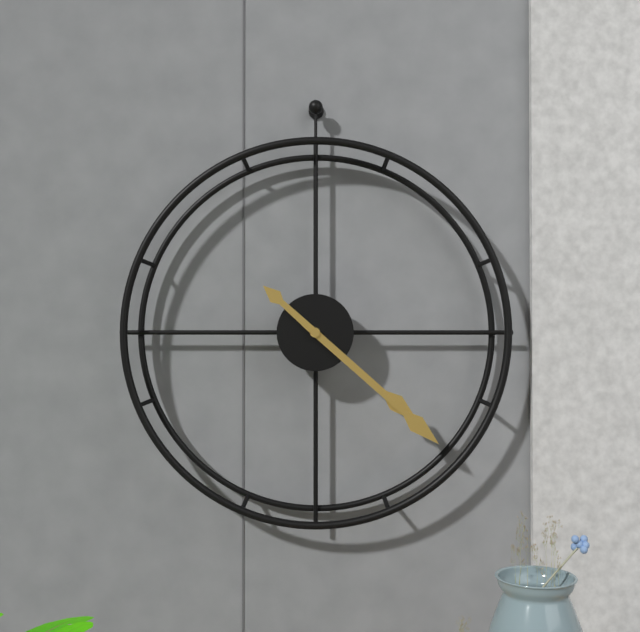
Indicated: **4:22**
